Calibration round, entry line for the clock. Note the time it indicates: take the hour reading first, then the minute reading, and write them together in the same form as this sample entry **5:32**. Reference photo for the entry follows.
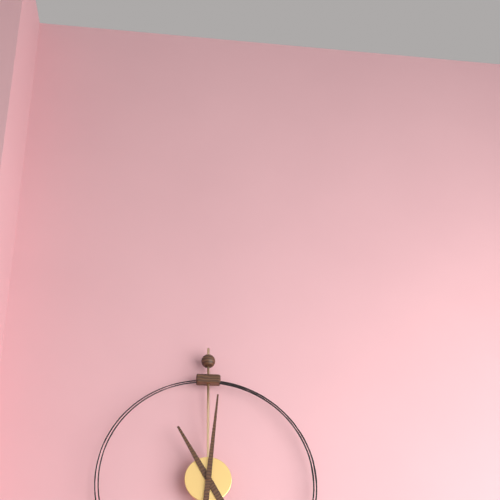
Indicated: **11:01**
